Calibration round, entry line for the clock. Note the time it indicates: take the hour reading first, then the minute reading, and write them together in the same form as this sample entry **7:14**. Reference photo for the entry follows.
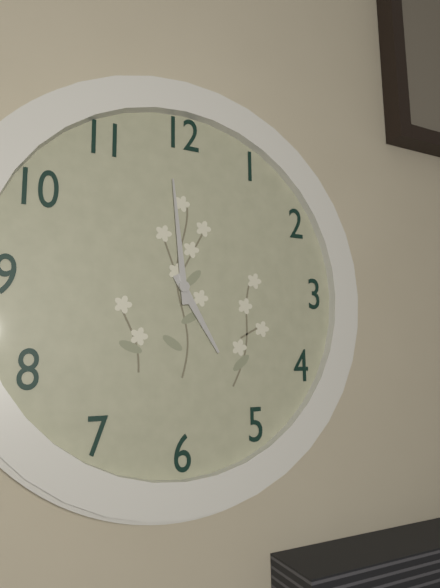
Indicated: **4:59**
